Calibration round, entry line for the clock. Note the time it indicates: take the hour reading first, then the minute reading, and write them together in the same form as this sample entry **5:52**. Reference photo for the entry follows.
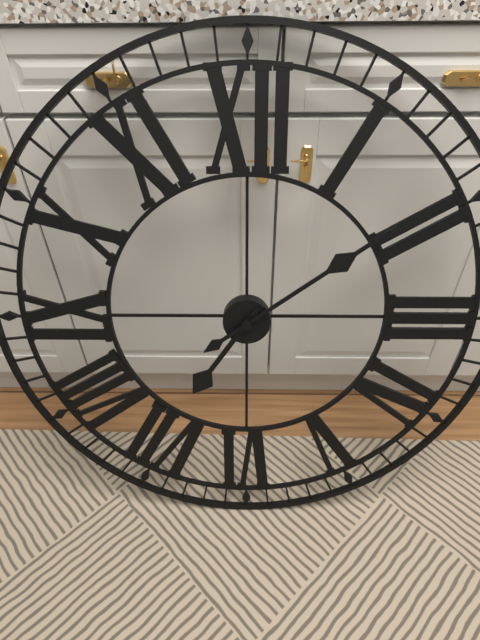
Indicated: **7:09**
